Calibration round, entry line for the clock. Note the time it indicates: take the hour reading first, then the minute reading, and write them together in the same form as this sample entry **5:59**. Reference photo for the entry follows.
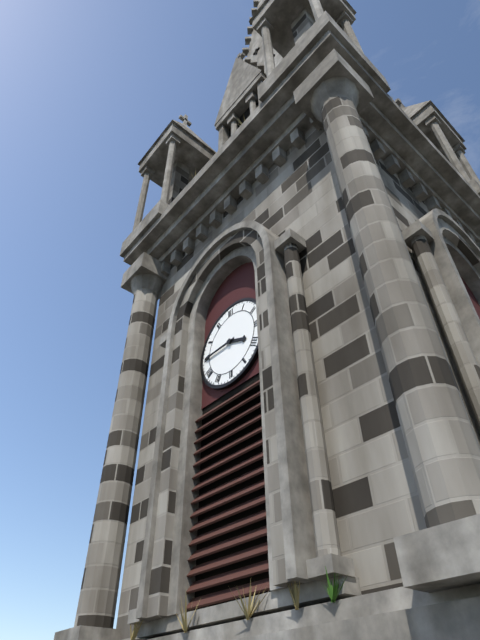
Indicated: **3:45**
